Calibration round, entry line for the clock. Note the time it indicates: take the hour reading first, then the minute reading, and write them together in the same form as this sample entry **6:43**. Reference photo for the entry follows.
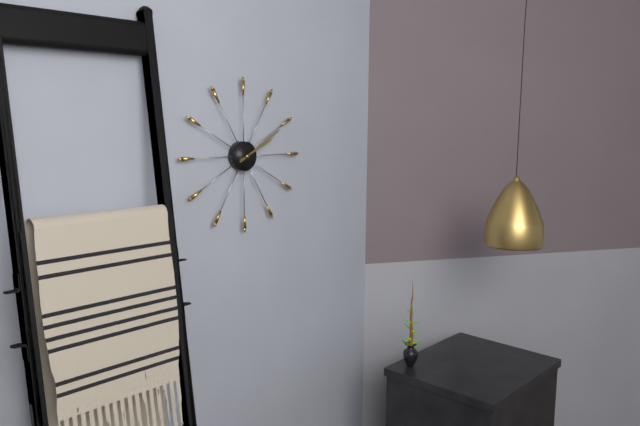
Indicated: **2:10**
